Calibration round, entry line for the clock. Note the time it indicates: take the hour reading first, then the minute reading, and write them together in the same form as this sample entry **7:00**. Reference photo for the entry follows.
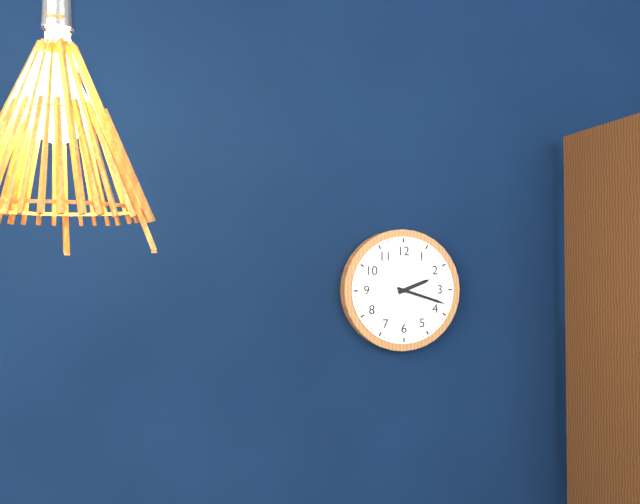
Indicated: **2:18**
